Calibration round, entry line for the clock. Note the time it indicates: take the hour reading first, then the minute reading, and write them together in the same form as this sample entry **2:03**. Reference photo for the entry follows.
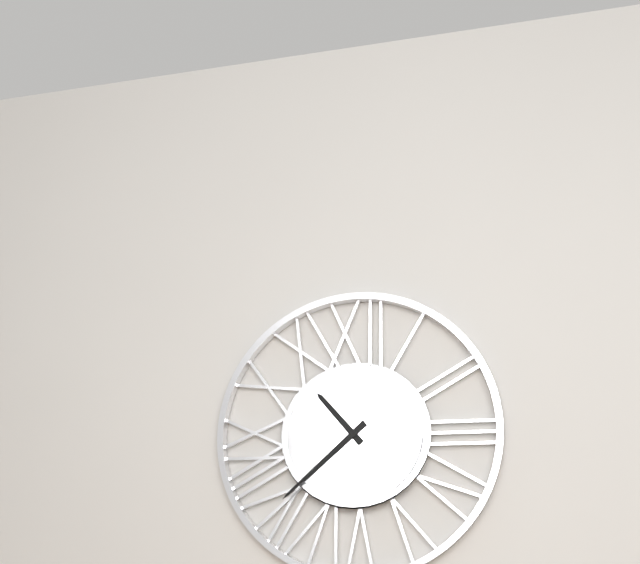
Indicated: **10:38**
